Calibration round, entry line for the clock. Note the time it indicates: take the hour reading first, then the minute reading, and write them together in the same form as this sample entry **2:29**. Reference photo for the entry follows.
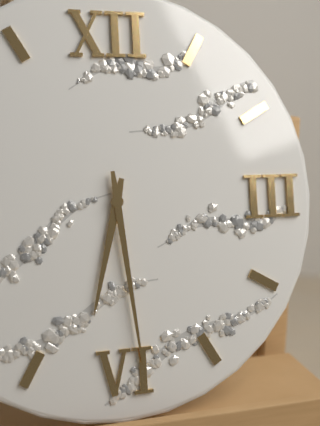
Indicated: **6:29**
